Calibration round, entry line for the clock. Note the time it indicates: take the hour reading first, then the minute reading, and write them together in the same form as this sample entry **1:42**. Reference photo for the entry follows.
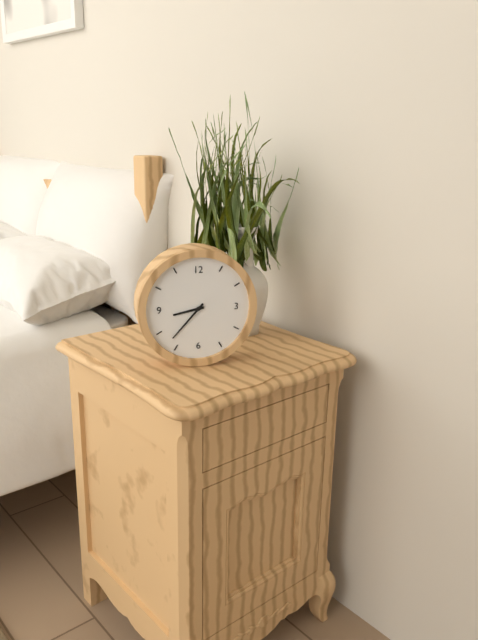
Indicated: **8:37**
